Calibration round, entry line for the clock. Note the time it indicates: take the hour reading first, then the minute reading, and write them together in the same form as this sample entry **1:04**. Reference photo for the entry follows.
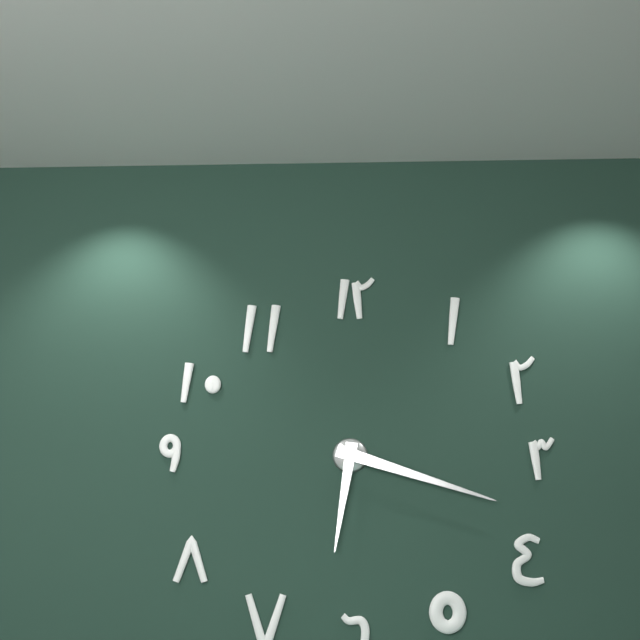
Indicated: **6:18**
